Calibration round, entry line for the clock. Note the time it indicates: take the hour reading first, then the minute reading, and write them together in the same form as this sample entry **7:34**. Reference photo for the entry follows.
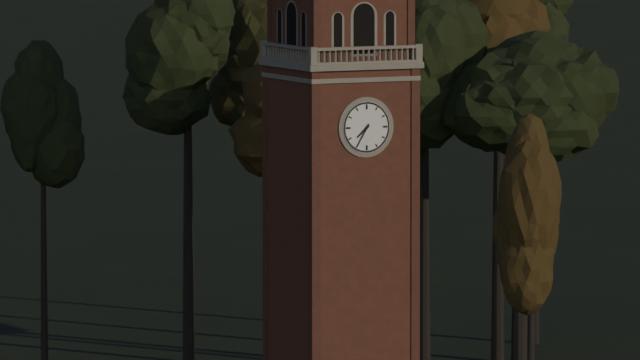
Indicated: **7:35**
